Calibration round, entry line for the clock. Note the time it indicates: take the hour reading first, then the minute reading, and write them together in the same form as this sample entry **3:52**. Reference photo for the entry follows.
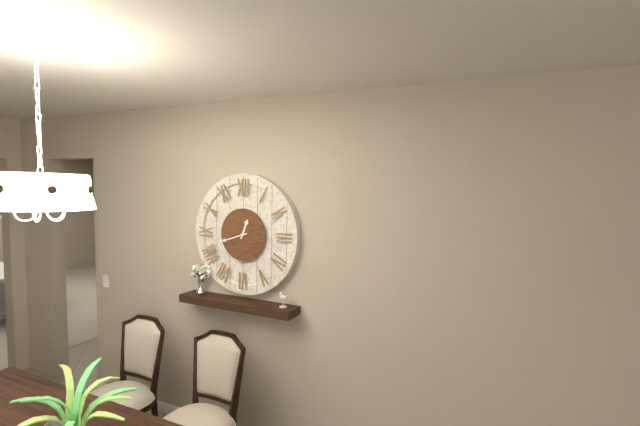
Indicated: **12:42**
